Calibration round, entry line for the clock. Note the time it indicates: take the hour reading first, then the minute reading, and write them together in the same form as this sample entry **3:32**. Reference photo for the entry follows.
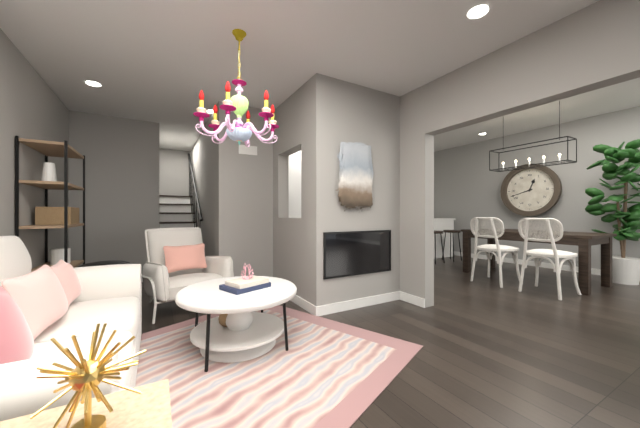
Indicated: **12:42**
